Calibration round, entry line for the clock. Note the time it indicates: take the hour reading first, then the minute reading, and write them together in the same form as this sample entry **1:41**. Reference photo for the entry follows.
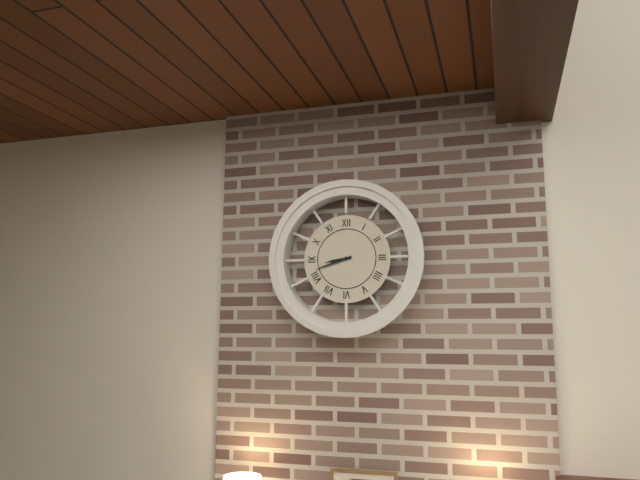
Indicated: **8:42**
